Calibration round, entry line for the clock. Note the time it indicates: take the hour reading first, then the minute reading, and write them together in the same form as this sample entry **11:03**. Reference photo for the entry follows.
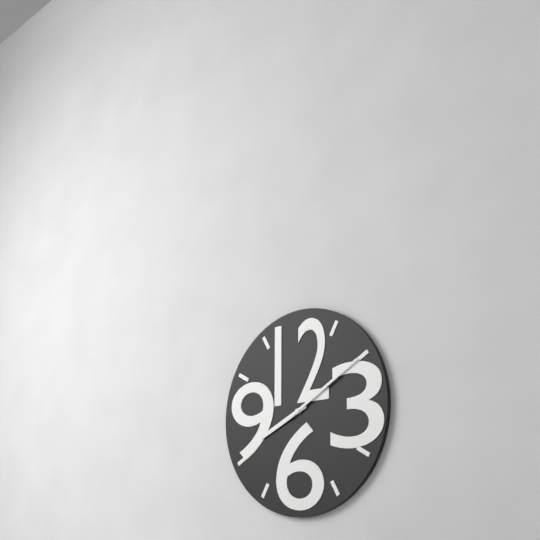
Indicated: **8:10**
